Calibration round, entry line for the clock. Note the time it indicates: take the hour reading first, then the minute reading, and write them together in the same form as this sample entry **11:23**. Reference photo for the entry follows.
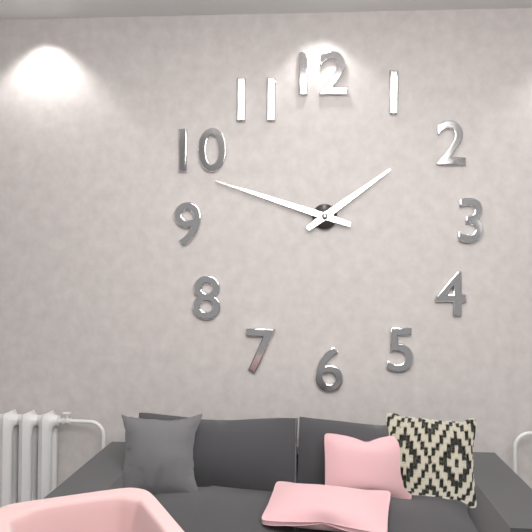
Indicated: **1:48**
